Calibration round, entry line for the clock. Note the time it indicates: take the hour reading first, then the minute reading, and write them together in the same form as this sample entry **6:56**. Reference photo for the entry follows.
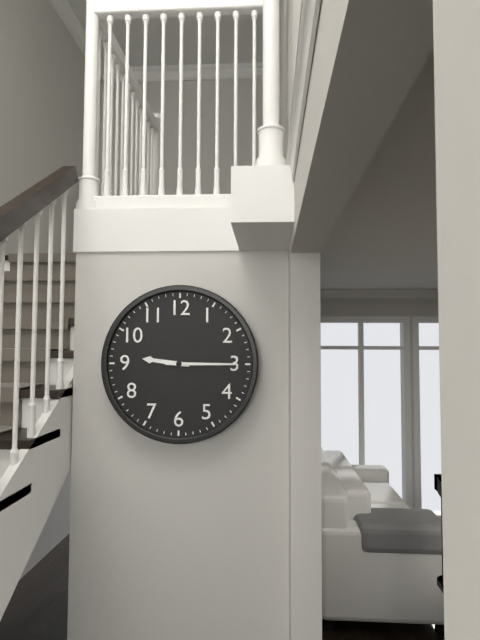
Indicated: **9:15**
